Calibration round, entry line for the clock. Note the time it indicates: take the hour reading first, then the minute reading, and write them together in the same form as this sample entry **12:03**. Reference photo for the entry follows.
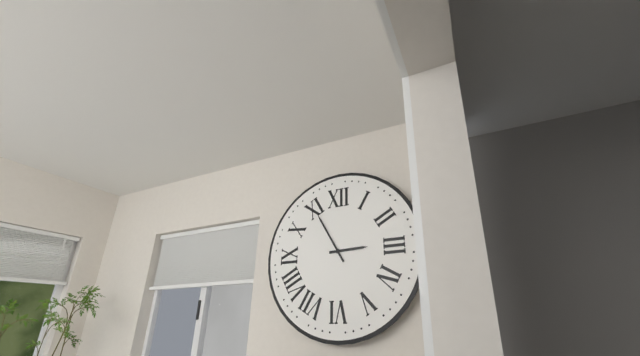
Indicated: **2:55**
